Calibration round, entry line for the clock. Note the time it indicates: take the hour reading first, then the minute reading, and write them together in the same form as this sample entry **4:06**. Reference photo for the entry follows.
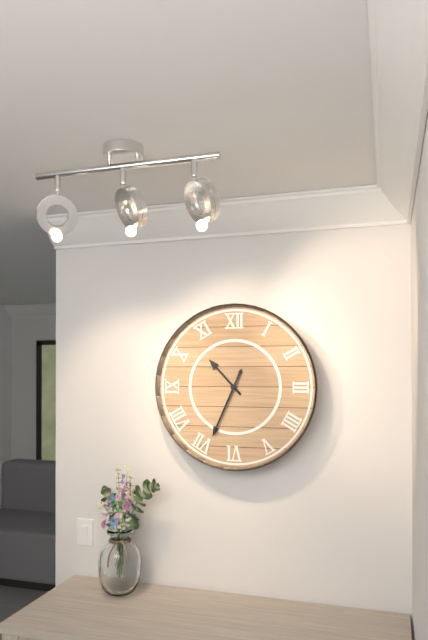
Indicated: **10:34**
